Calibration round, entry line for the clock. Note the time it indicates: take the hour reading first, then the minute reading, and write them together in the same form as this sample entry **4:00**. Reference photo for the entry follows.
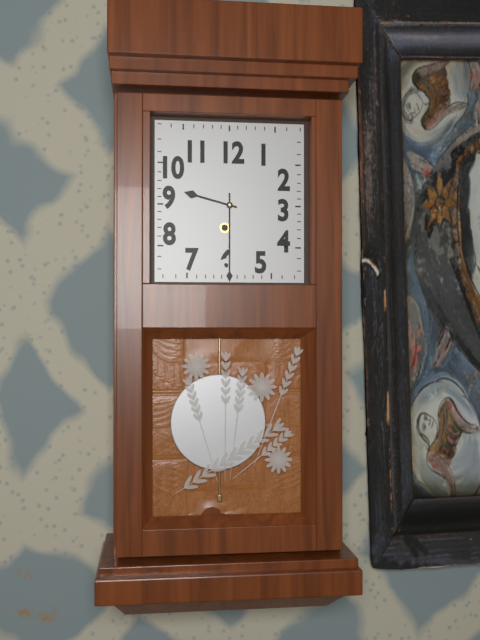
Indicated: **9:30**
